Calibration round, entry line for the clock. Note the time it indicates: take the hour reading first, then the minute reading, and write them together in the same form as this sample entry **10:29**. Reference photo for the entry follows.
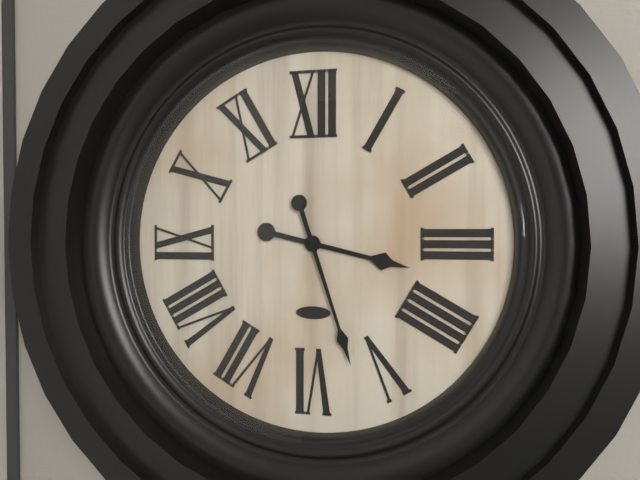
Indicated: **3:27**
